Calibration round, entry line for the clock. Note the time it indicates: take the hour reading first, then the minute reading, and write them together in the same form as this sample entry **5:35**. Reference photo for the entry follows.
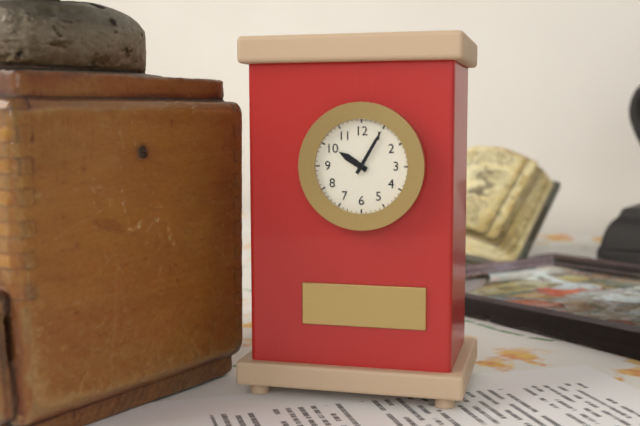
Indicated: **10:05**
